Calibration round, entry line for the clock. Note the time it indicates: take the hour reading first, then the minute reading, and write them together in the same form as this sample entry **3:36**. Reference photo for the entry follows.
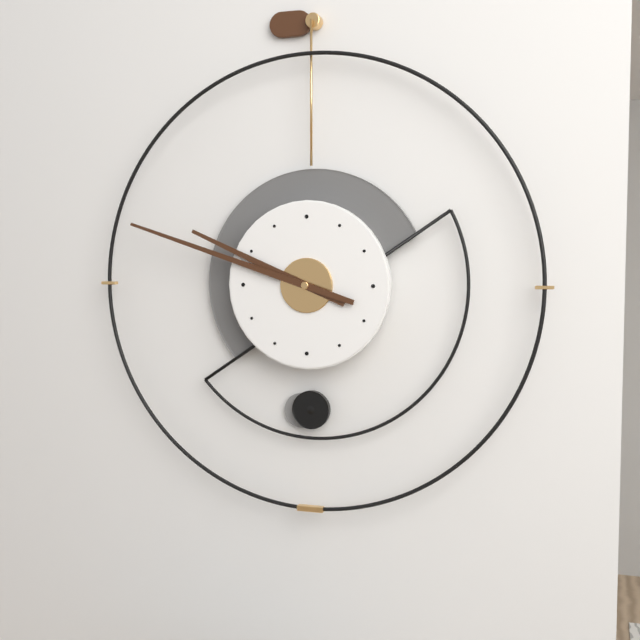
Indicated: **9:48**
